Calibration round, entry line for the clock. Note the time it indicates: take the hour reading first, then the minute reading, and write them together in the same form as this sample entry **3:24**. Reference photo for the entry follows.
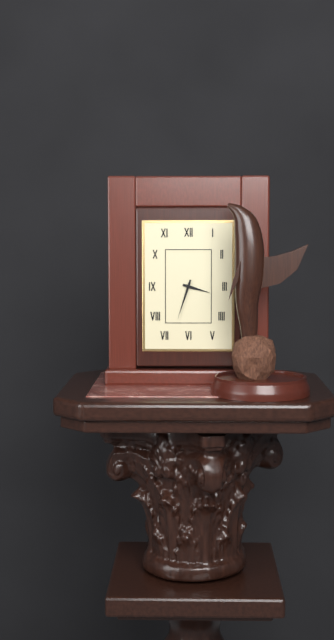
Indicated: **3:33**
